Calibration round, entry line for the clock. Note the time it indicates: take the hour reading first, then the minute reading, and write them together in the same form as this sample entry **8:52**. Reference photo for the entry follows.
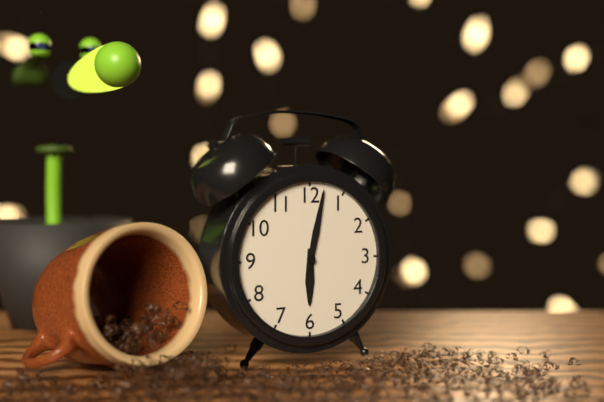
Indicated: **6:02**
